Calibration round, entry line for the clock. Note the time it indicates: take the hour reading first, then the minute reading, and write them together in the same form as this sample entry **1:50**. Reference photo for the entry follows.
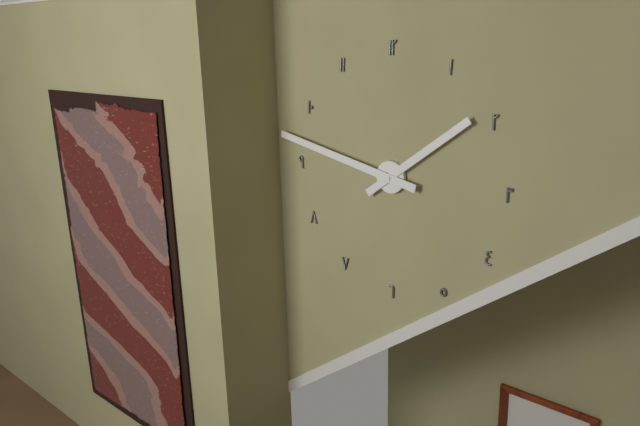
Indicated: **1:47**
